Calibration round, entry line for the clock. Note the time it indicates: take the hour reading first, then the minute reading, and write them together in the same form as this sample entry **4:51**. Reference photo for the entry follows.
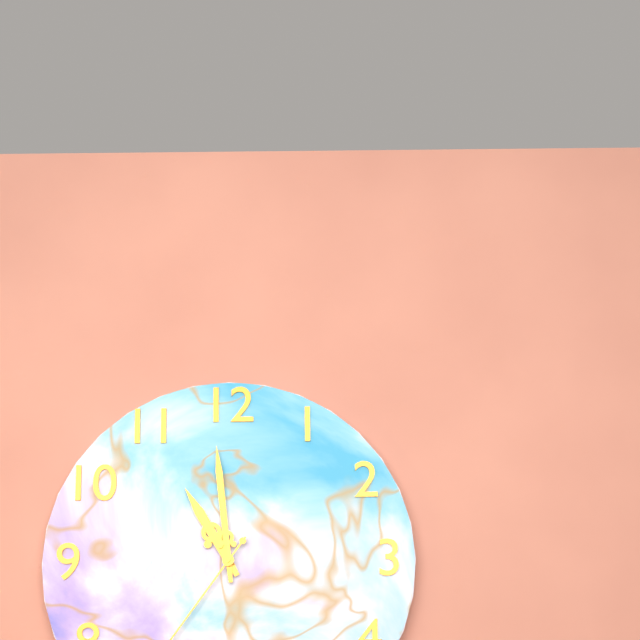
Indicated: **10:59**
